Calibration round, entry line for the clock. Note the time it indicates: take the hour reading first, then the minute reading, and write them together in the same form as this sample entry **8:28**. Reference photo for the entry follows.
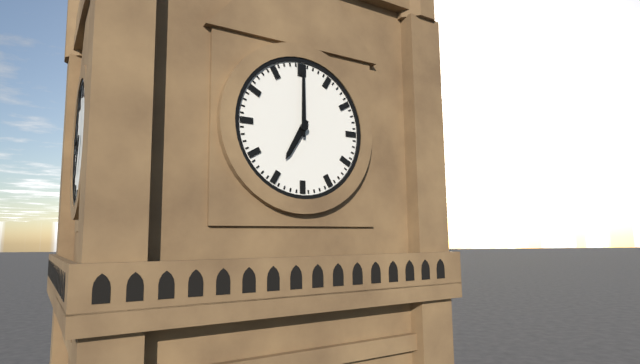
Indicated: **7:00**
